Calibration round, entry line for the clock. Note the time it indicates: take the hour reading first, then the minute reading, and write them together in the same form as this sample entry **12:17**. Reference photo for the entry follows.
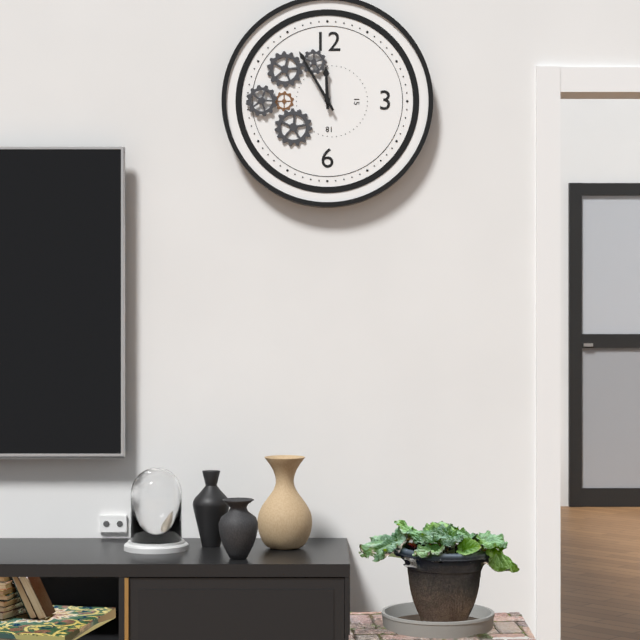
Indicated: **11:55**
